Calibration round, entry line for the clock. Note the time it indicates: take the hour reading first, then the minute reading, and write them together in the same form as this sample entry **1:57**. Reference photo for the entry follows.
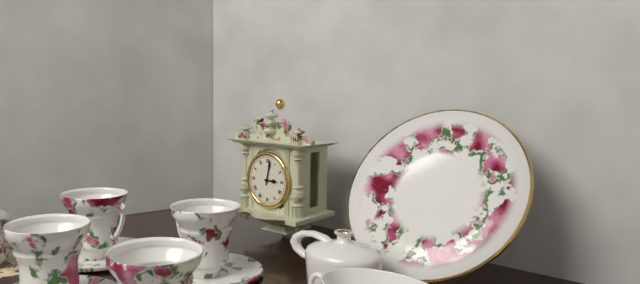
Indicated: **3:02**
